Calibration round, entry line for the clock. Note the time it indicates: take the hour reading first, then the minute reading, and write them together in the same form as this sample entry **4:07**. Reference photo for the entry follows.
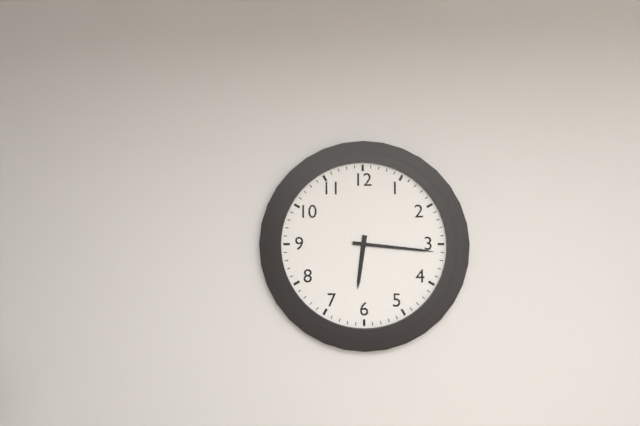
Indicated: **6:16**
